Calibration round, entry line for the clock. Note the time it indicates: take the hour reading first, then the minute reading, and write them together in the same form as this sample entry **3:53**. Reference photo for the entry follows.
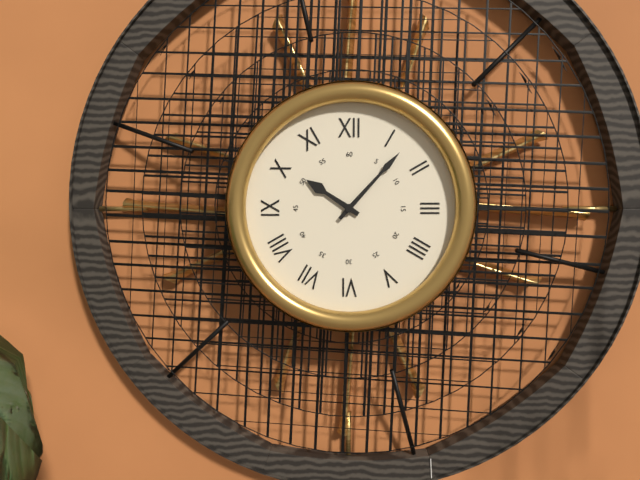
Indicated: **10:07**
